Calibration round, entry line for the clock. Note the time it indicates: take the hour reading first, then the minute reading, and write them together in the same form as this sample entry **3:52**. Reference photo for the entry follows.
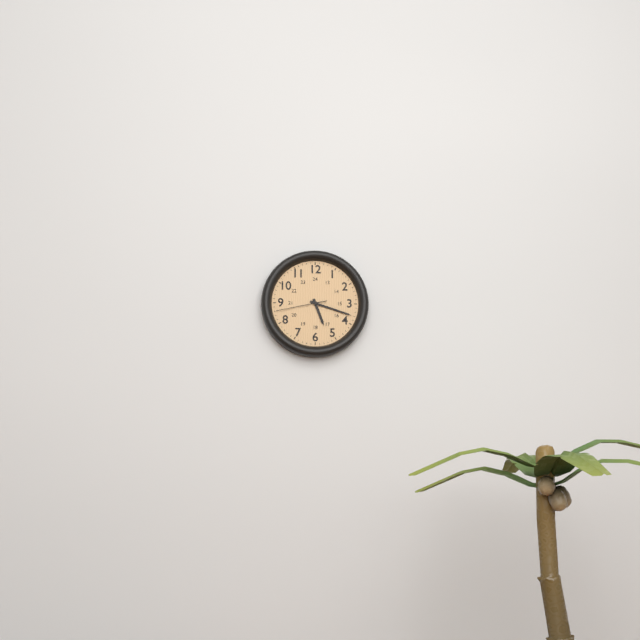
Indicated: **5:18**
